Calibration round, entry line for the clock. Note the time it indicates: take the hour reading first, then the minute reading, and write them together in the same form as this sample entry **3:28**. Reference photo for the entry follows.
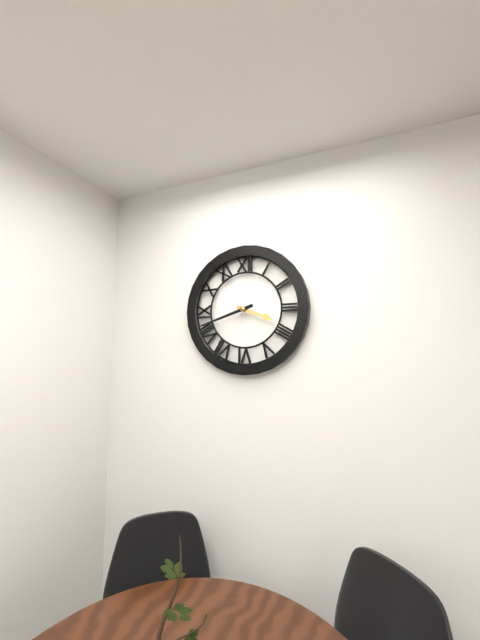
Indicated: **3:42**
